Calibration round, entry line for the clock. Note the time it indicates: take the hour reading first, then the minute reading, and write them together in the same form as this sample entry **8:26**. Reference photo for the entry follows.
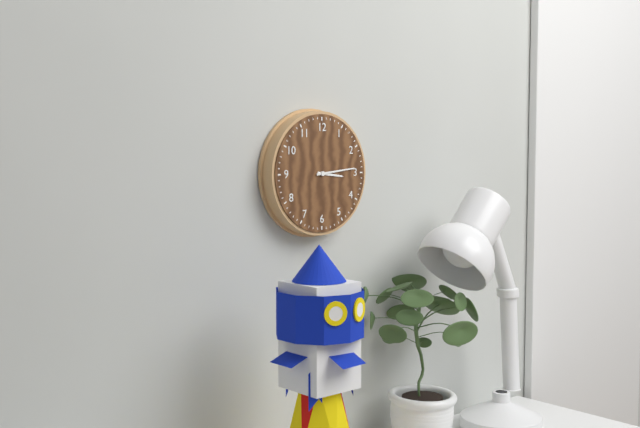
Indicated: **3:14**
